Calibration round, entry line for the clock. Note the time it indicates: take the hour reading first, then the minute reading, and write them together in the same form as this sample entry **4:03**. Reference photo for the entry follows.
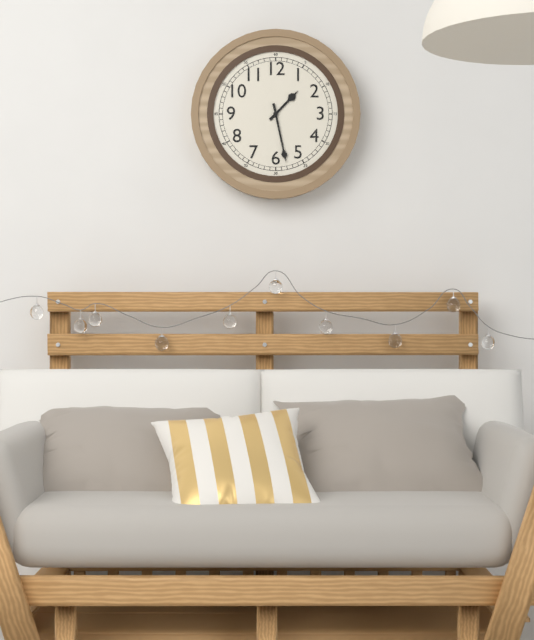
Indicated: **1:28**
